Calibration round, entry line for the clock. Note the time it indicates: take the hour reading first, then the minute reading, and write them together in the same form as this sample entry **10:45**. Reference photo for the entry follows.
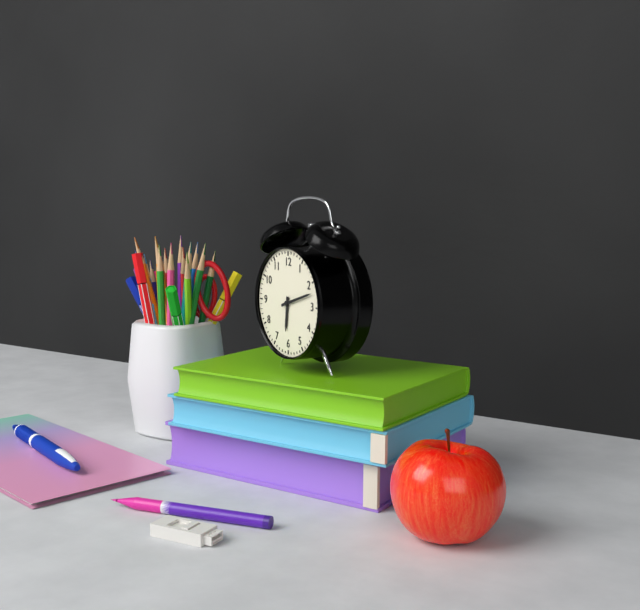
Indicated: **6:12**
